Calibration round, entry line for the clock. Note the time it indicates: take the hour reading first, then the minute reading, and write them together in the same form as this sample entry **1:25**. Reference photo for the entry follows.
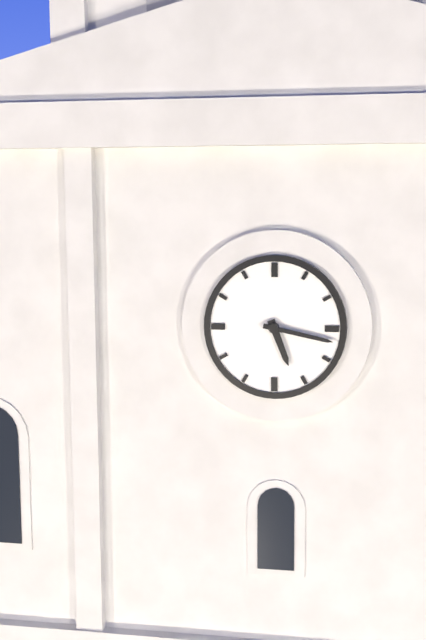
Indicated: **5:17**
